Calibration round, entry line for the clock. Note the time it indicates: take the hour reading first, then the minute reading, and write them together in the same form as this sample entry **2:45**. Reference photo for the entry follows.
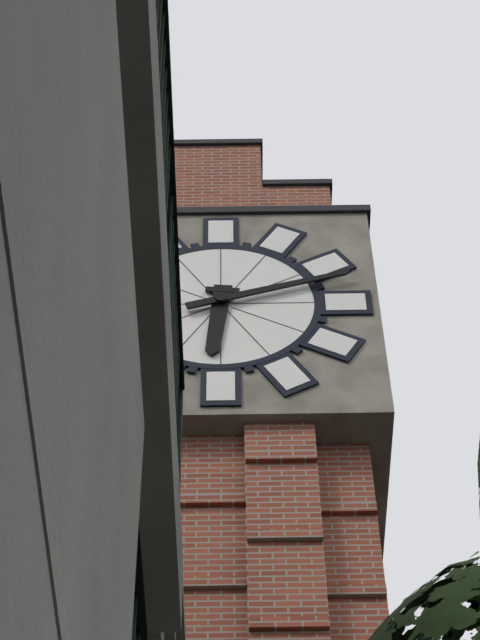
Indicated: **6:12**
